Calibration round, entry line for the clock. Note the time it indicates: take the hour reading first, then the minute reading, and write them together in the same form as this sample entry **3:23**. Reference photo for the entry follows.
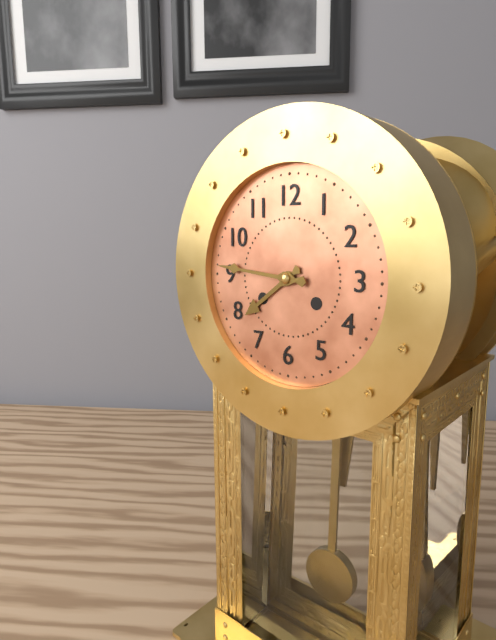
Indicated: **7:46**
